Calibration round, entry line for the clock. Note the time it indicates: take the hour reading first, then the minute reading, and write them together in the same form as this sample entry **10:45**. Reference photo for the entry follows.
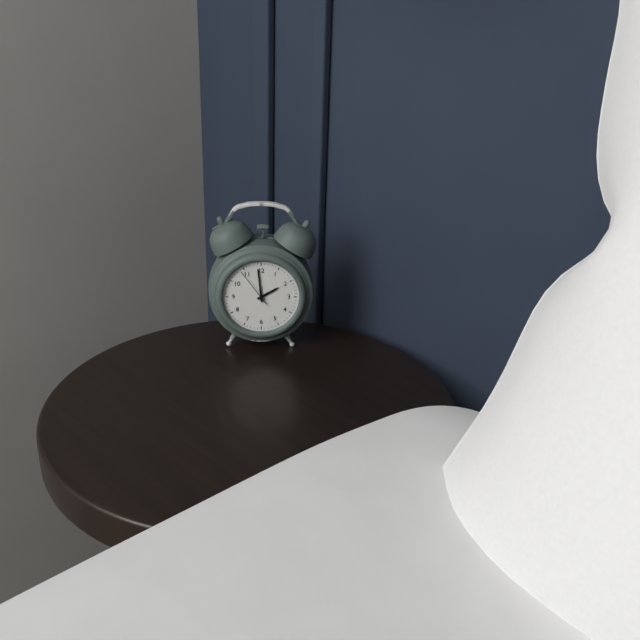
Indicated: **1:59**
